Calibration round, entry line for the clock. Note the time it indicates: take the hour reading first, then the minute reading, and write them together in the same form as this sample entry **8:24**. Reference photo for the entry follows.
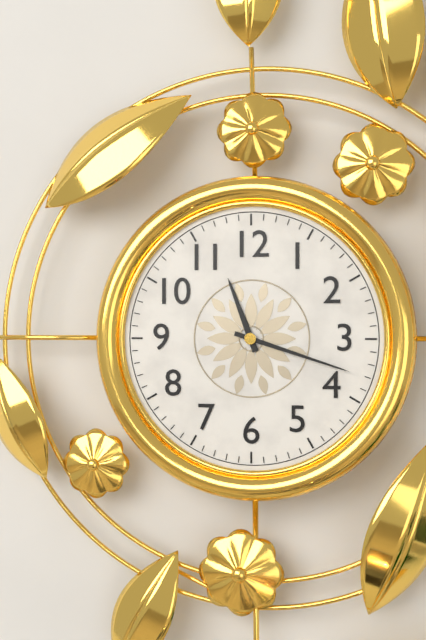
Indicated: **11:18**
